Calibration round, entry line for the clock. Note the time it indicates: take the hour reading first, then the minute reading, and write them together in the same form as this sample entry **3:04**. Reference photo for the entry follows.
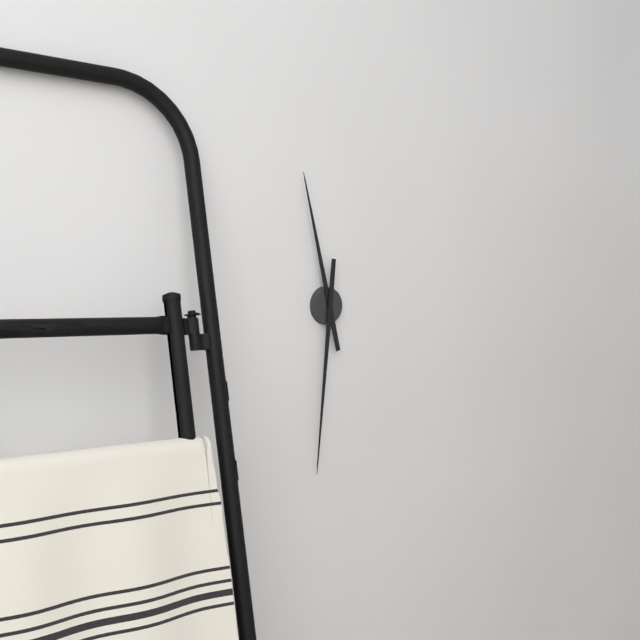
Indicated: **11:31**
